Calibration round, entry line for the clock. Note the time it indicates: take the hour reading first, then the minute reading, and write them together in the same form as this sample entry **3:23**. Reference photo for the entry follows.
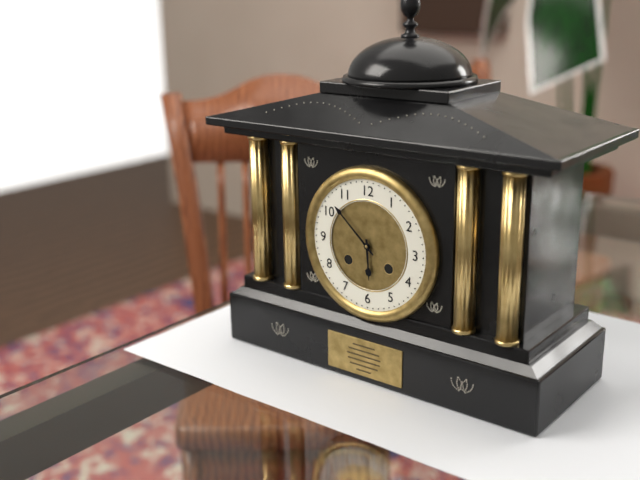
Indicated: **5:52**
